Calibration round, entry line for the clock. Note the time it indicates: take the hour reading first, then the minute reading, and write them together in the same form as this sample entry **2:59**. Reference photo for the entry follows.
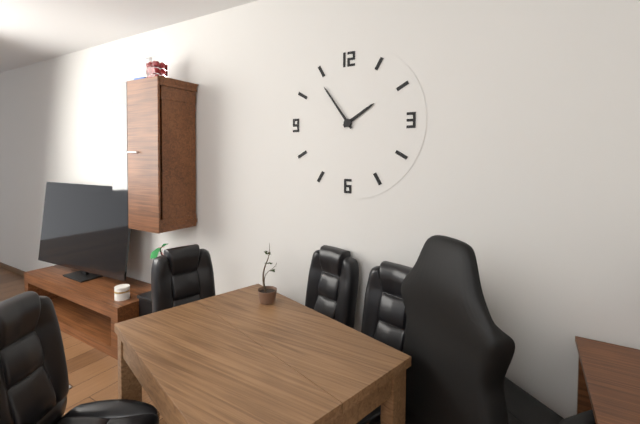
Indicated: **1:54**
